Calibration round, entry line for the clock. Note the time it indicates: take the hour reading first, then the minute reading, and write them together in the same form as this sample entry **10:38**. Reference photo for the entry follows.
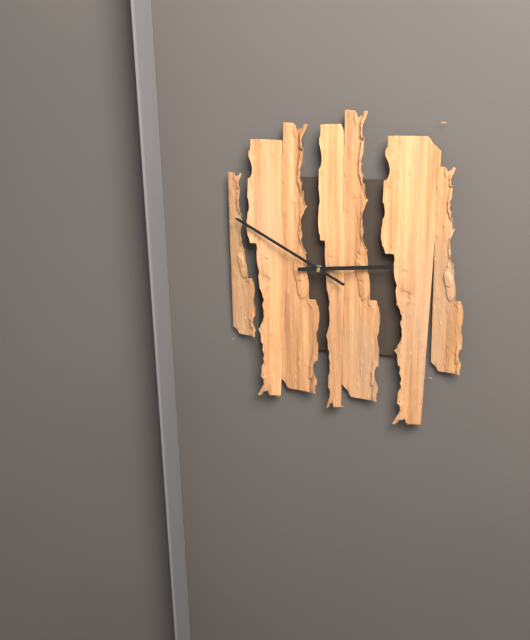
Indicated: **2:50**
